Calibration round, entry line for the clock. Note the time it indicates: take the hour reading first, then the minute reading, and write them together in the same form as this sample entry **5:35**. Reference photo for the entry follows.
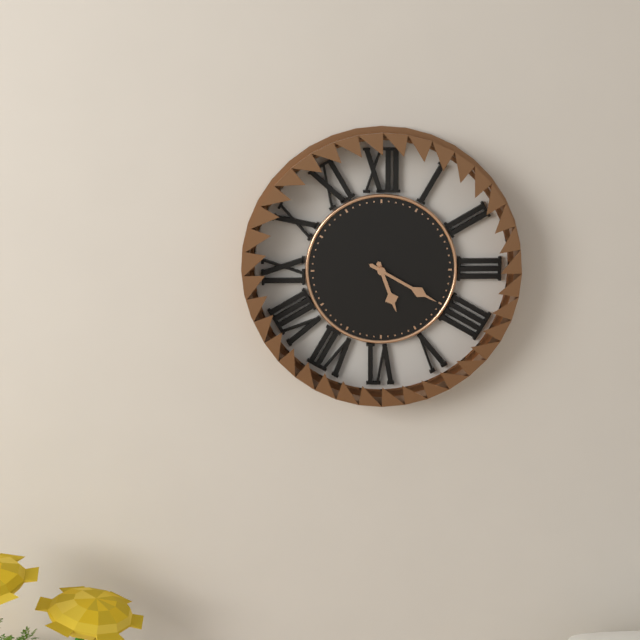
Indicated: **5:20**
